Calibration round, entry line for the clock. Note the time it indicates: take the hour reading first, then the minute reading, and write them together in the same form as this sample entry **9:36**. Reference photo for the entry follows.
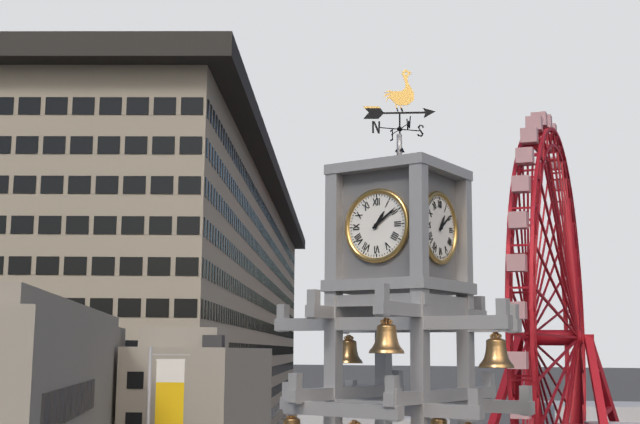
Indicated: **1:09**
